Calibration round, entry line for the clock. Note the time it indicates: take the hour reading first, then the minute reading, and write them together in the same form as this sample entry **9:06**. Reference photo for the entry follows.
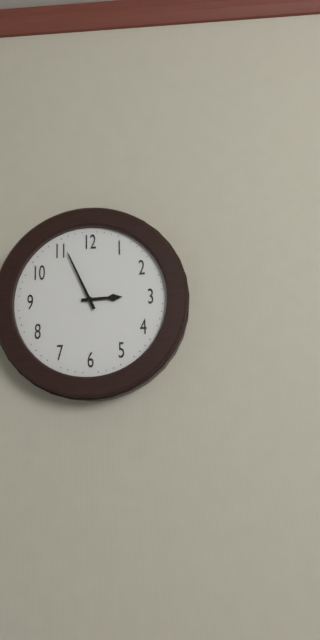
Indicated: **2:56**
